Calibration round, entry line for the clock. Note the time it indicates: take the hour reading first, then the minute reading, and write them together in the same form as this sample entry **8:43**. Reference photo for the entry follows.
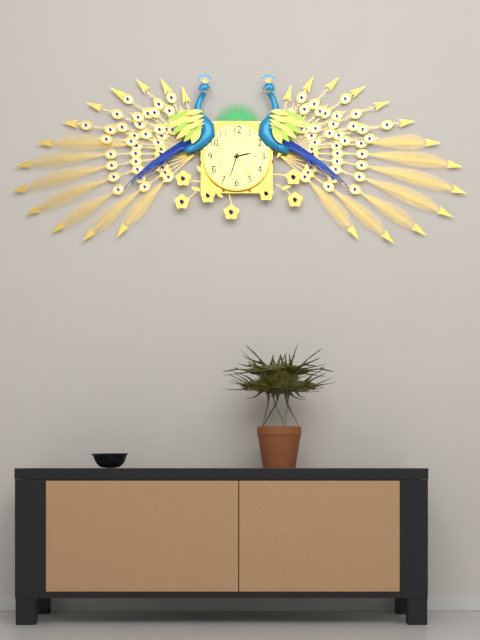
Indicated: **2:33**
